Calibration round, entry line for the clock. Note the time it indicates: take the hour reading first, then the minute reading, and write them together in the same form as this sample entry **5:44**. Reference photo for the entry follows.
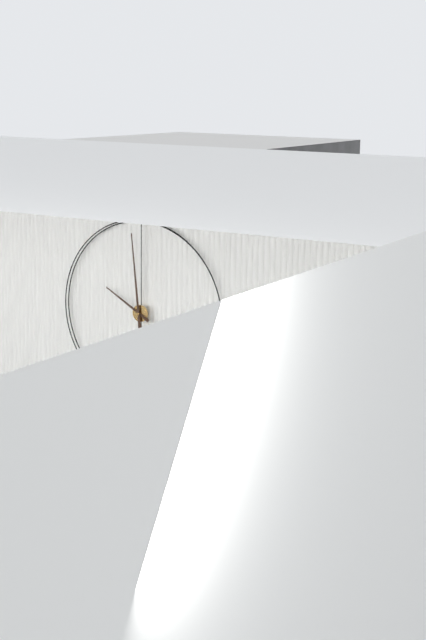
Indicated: **9:59**
